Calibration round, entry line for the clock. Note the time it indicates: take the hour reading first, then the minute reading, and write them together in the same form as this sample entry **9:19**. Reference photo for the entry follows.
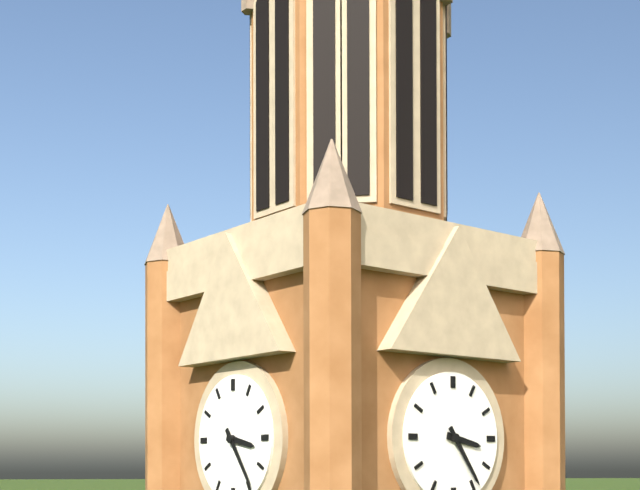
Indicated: **3:24**
